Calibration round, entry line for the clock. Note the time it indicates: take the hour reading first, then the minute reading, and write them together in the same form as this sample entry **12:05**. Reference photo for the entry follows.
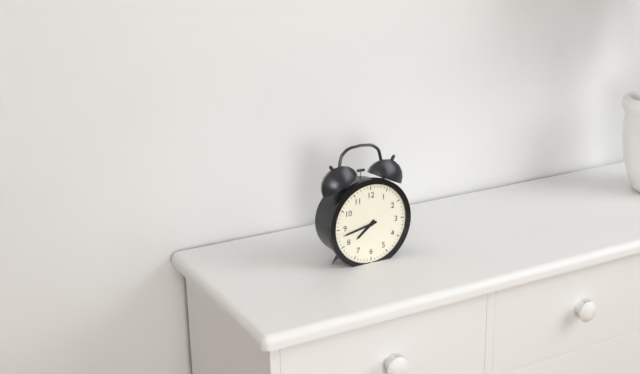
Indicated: **7:43**
